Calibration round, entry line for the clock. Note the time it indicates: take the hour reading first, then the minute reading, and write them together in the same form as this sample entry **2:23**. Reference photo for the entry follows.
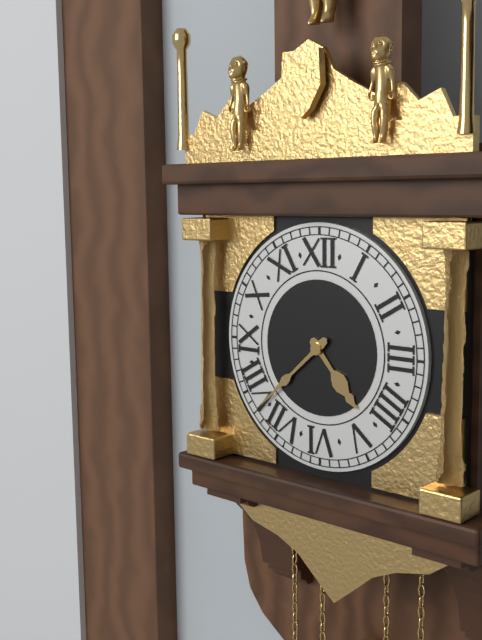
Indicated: **4:38**
